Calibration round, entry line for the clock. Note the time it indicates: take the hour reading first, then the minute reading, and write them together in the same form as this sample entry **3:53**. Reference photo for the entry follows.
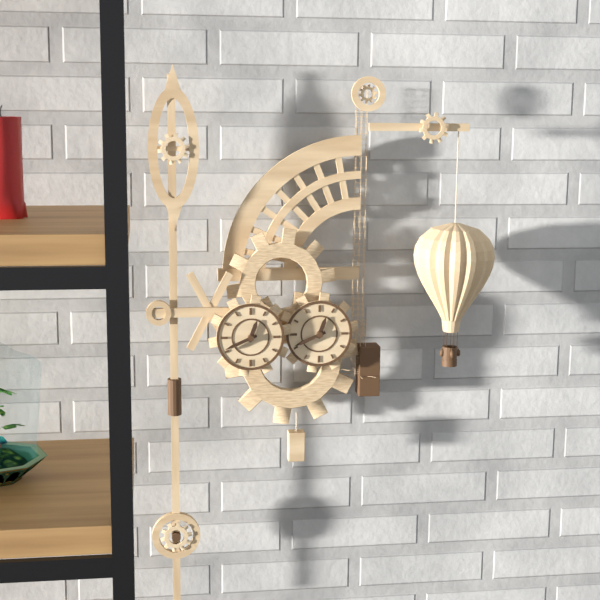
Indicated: **12:41**
